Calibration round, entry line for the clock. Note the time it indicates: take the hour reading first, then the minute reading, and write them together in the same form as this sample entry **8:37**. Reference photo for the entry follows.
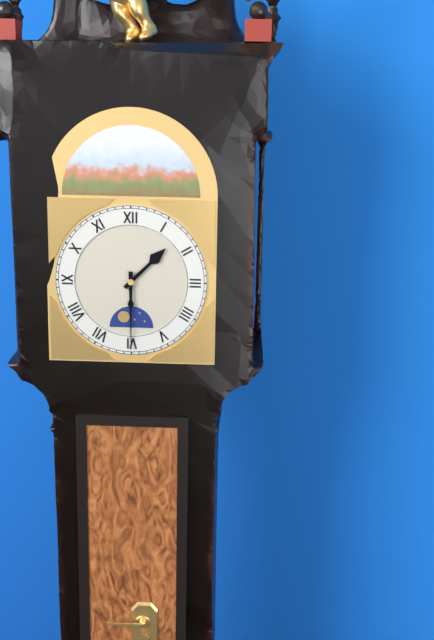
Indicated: **1:30**
